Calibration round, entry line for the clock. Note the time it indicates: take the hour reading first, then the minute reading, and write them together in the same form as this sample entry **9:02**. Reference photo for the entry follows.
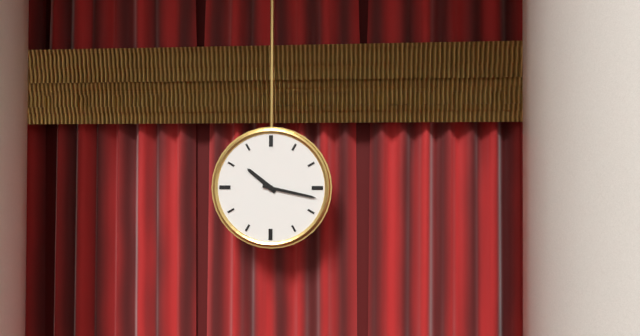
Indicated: **10:17**
